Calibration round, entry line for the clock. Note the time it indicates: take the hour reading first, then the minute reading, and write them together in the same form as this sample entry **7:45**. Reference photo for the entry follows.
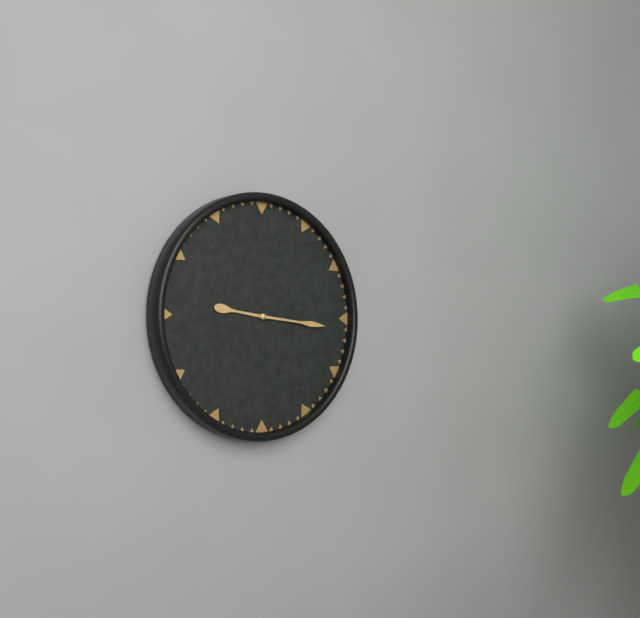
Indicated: **9:16**
